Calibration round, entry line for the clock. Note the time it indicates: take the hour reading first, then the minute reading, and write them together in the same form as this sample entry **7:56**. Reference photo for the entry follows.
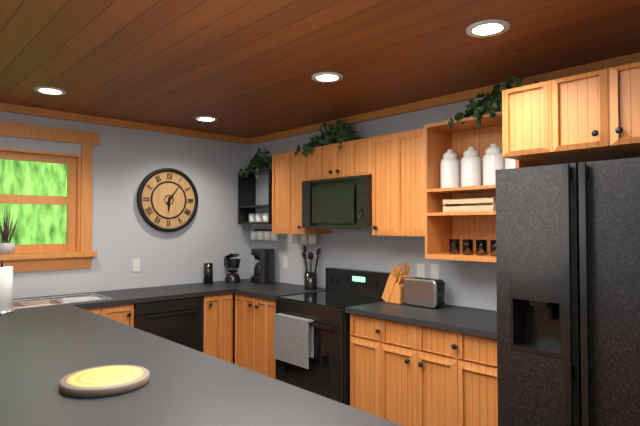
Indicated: **6:06**
